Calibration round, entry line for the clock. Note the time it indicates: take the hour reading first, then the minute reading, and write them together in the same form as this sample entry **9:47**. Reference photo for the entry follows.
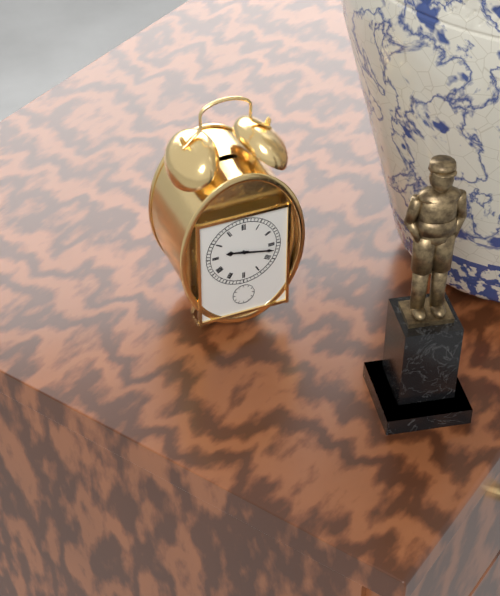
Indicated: **9:17**
